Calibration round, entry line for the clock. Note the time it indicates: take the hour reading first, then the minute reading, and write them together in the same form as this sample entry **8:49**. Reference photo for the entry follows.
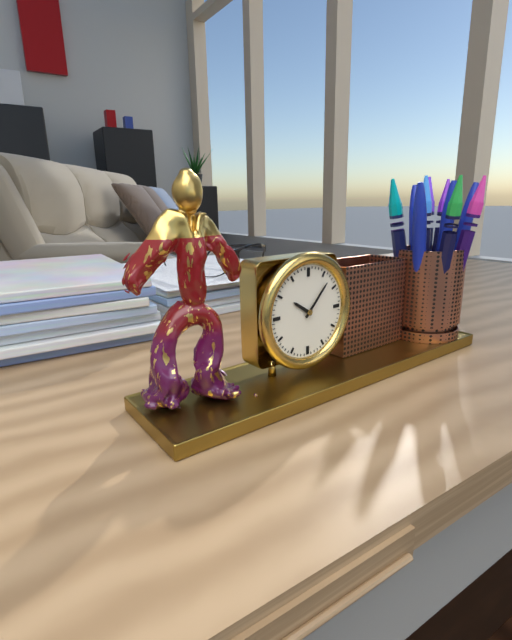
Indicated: **10:07**
